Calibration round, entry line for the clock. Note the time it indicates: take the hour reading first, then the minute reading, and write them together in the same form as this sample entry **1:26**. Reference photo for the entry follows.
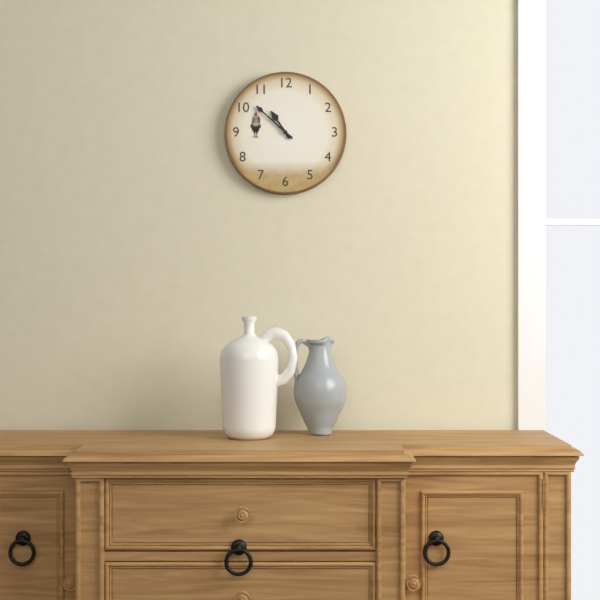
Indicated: **10:52**
